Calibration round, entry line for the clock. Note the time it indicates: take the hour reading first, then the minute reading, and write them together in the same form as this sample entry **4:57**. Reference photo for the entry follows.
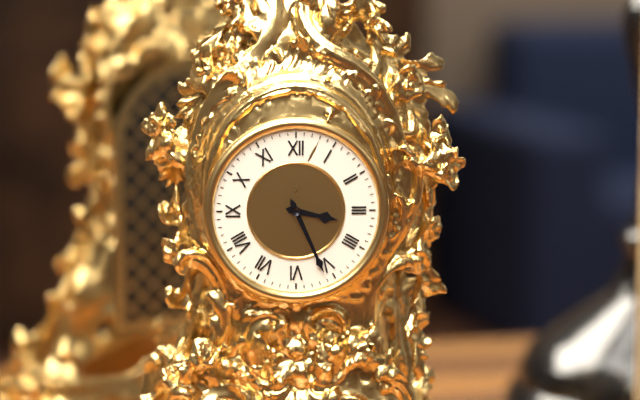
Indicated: **3:26**
